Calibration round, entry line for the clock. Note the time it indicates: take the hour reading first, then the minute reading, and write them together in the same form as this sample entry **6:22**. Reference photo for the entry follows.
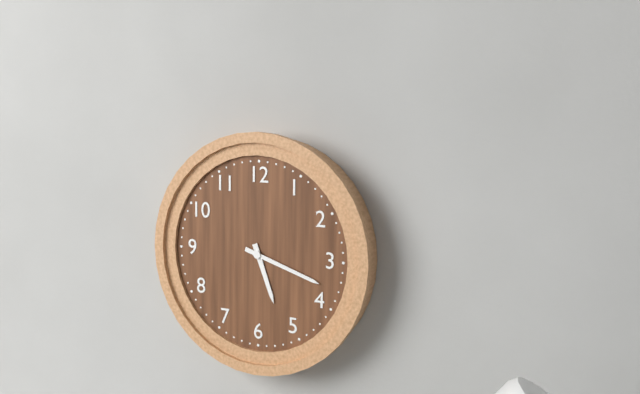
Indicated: **5:18**
